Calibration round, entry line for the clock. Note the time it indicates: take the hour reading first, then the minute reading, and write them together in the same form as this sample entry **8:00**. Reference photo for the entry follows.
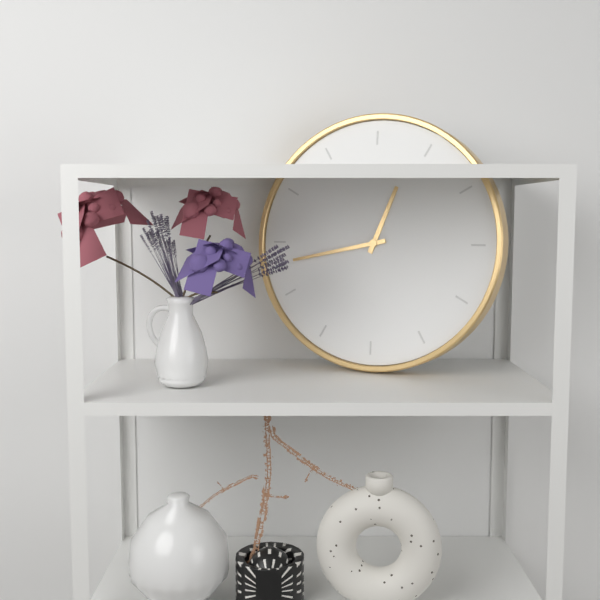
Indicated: **12:43**
